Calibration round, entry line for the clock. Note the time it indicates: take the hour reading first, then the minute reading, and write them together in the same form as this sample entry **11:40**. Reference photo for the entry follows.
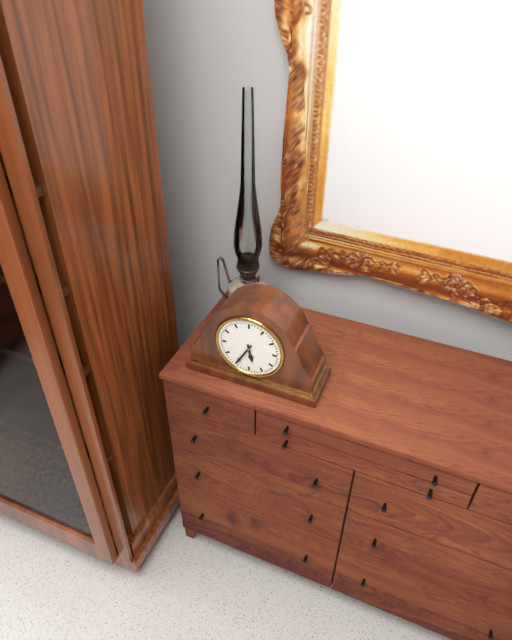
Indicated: **5:35**
